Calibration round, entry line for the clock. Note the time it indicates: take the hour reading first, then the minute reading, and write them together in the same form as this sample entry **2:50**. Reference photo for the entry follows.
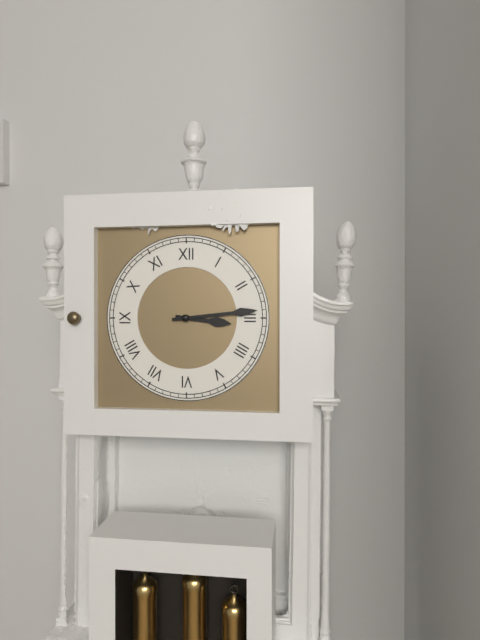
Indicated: **3:14**
